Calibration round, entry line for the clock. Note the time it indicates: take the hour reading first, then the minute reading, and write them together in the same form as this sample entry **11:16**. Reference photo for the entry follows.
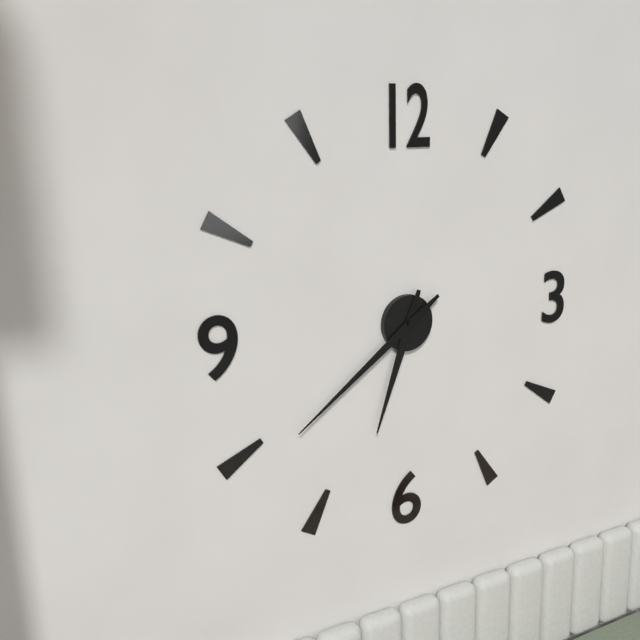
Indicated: **6:39**
